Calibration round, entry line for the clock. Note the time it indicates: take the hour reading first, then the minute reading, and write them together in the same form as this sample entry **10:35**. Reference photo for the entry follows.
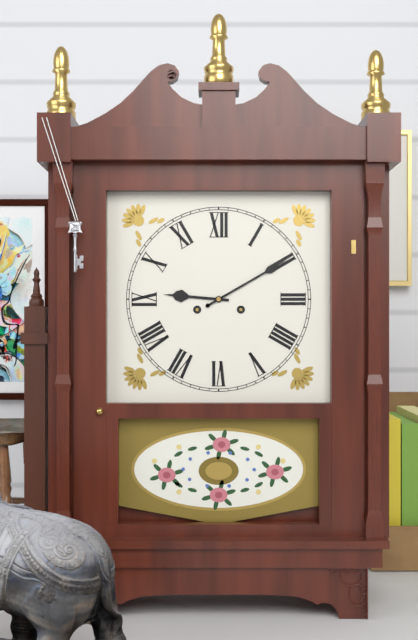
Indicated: **9:10**
